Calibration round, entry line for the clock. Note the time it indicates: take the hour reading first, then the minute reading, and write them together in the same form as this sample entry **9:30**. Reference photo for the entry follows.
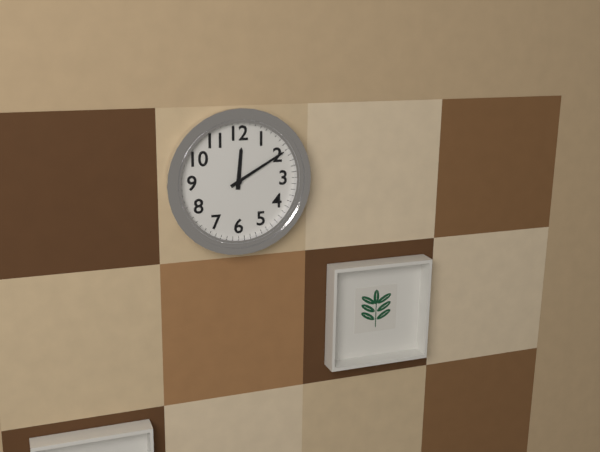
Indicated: **12:10**
